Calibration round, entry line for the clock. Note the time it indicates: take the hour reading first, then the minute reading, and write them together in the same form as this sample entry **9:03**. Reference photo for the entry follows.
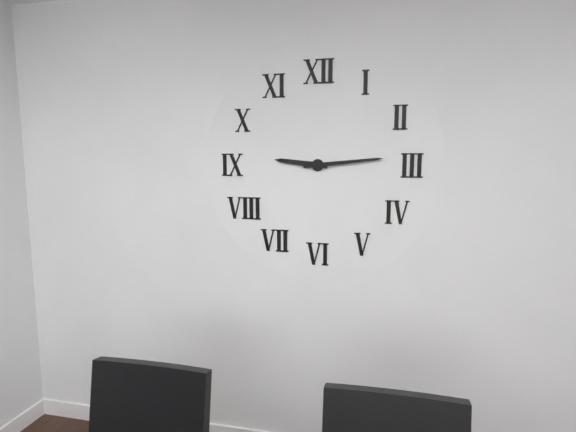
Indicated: **9:14**
